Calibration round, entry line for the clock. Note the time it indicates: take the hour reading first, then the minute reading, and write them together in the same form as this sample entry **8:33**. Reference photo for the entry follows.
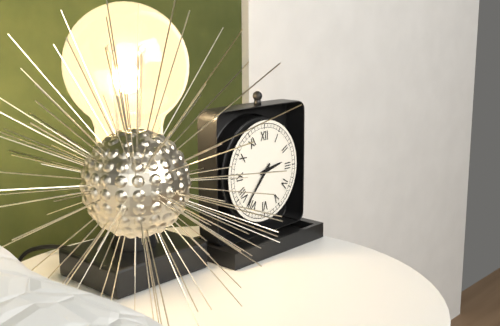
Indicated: **2:37**
